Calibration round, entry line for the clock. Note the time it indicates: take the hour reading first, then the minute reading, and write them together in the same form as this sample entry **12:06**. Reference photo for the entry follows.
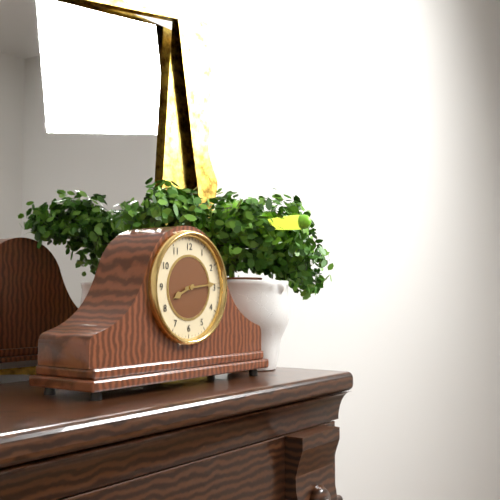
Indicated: **8:14**
